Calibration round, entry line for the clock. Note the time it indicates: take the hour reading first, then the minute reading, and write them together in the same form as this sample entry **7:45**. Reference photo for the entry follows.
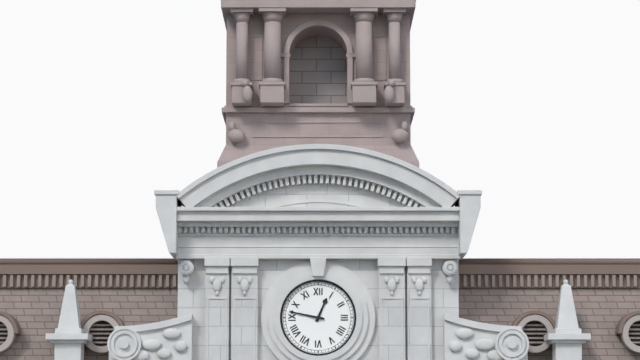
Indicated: **12:47**
